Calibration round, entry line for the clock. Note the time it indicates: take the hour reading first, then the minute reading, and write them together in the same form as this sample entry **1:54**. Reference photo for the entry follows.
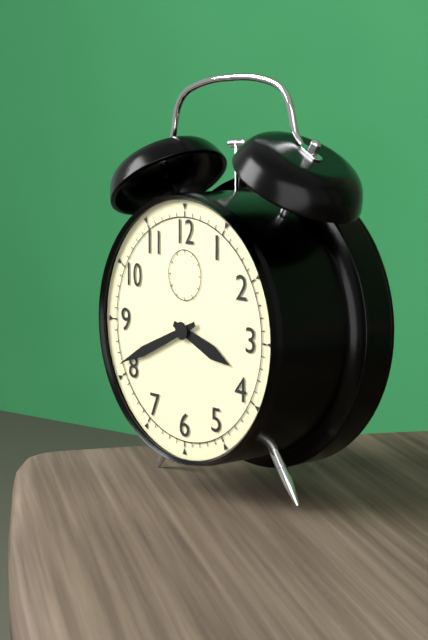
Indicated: **3:41**
